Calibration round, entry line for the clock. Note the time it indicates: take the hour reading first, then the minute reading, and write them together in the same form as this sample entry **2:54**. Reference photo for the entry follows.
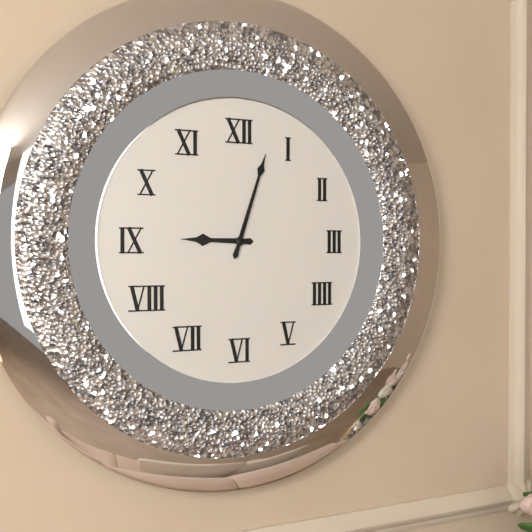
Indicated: **9:03**
